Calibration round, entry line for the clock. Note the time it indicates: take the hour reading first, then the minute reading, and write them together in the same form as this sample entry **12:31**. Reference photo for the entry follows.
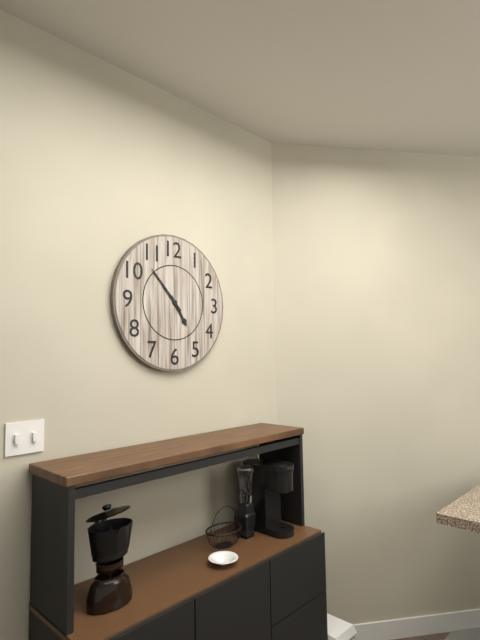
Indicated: **4:53**
